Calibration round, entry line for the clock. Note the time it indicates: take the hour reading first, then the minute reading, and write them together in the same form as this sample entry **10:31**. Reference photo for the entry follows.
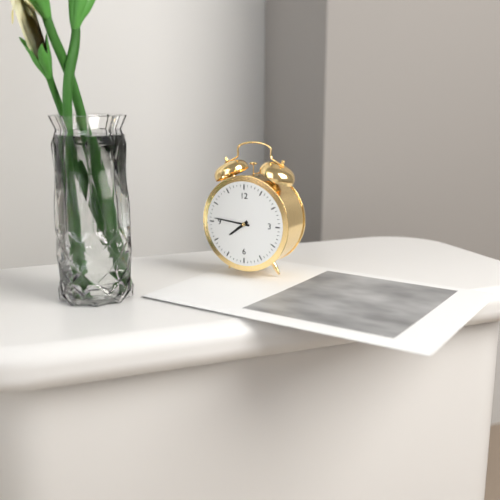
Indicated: **7:46**
